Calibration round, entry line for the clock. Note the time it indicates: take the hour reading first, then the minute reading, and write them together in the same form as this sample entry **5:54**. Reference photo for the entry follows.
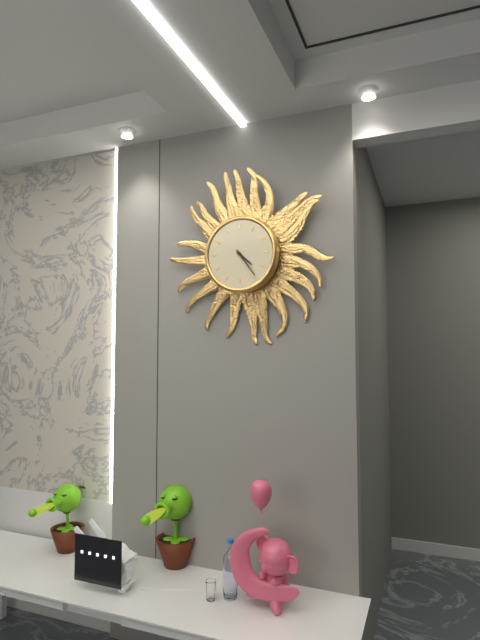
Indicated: **4:24**
